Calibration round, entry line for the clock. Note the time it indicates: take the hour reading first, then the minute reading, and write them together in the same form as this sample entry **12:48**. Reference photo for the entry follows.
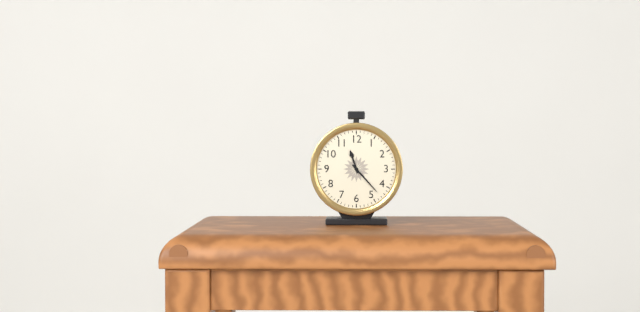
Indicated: **11:23**
